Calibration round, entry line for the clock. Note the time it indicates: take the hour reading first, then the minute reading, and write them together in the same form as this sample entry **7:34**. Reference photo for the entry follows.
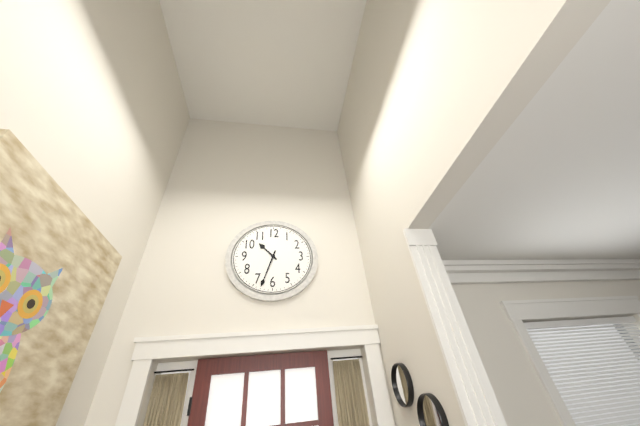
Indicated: **10:33**
